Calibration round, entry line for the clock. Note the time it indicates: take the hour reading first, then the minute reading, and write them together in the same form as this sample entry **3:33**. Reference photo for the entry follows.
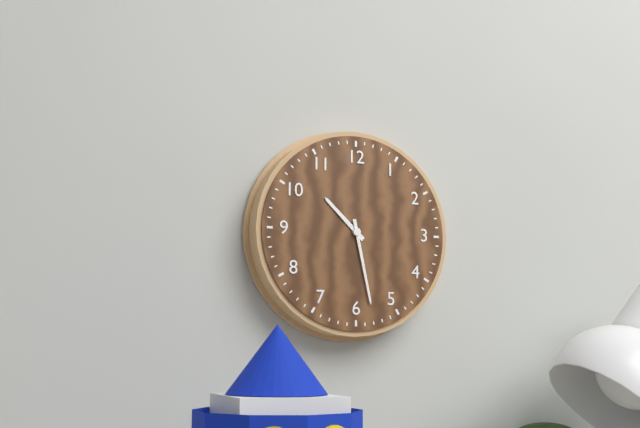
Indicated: **10:28**
